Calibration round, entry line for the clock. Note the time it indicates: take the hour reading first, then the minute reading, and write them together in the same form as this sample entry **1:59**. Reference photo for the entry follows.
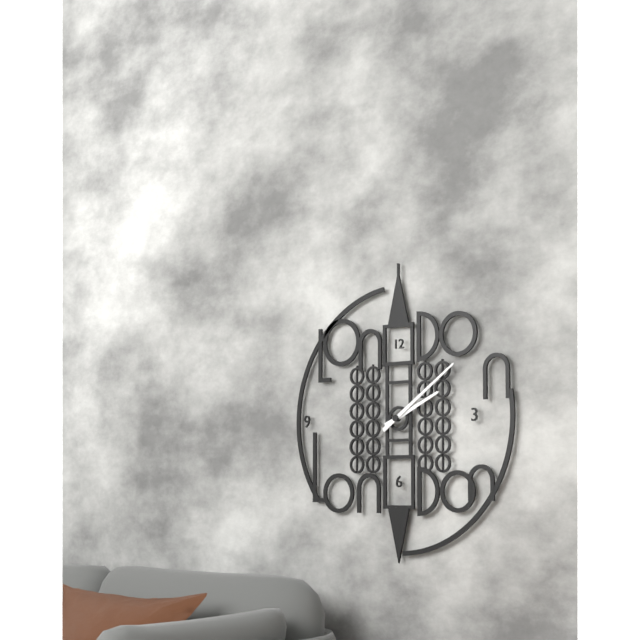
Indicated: **2:09**
